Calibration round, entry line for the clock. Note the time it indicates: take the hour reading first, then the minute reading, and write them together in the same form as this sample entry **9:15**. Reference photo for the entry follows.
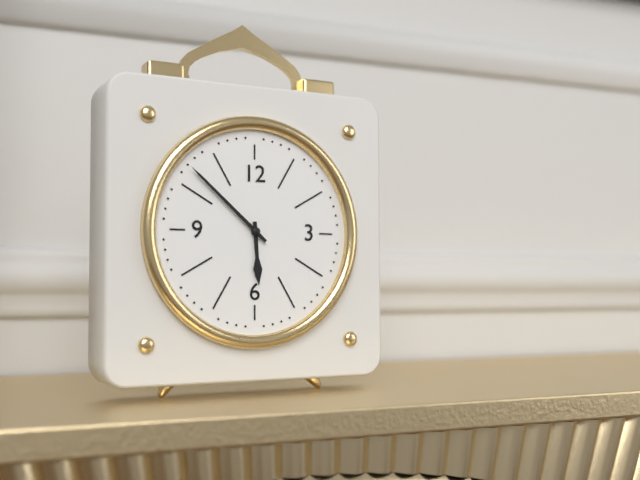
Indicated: **5:52**
